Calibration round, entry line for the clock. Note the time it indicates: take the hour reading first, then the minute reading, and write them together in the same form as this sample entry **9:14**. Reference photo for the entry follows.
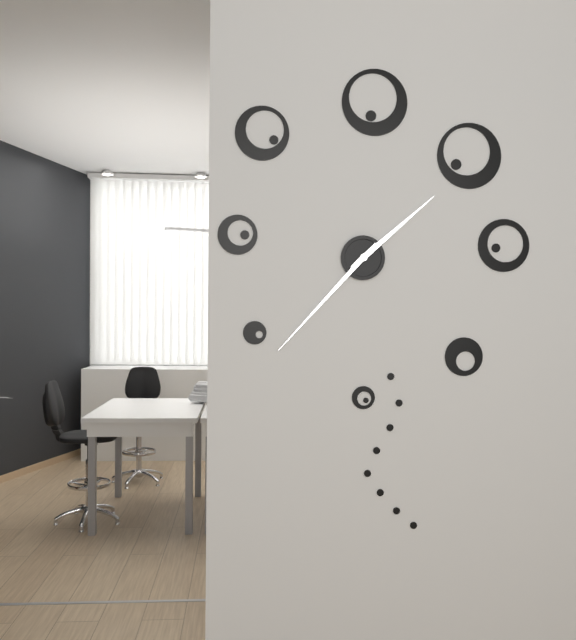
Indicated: **1:37**
